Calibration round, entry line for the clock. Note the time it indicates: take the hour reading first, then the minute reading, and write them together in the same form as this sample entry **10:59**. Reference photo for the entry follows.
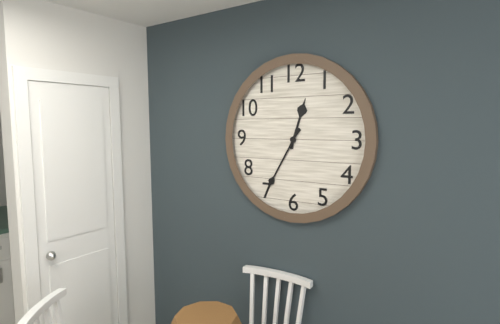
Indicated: **12:35**
